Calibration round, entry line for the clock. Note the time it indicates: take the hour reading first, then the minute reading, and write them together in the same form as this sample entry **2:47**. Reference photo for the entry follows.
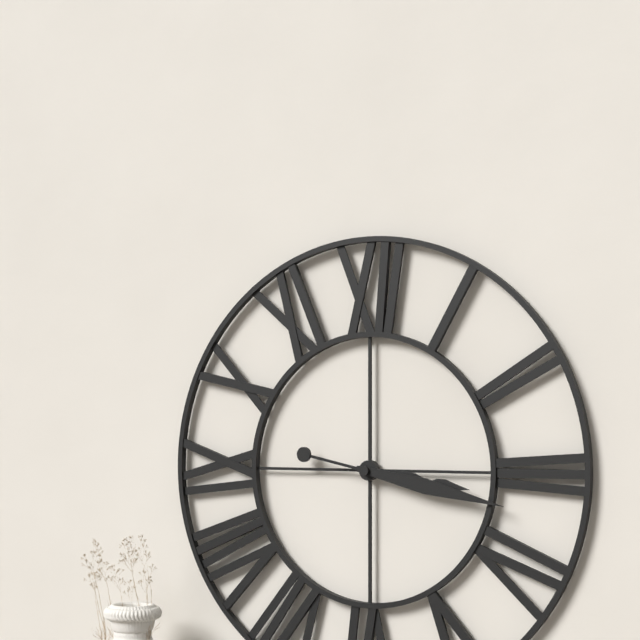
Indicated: **3:17**
